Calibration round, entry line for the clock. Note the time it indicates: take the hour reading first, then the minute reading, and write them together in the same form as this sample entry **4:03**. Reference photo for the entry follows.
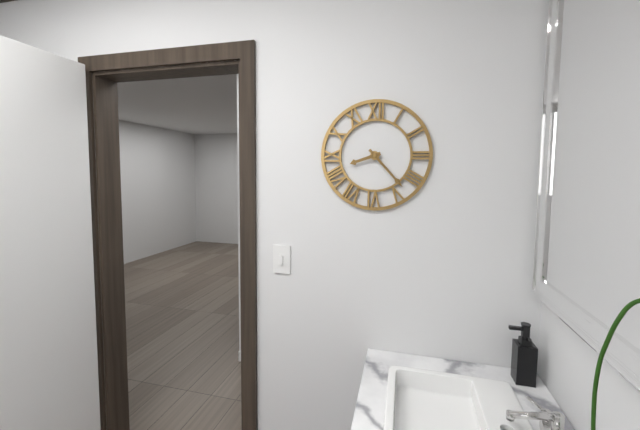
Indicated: **8:23**
